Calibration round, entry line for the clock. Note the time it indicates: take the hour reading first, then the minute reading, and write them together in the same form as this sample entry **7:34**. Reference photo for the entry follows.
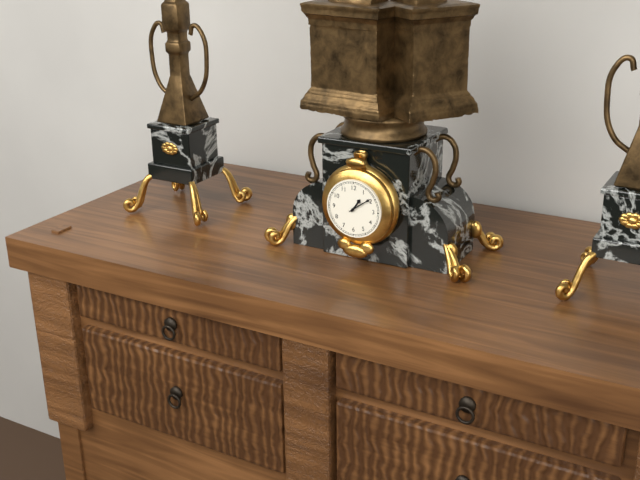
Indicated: **1:09**
